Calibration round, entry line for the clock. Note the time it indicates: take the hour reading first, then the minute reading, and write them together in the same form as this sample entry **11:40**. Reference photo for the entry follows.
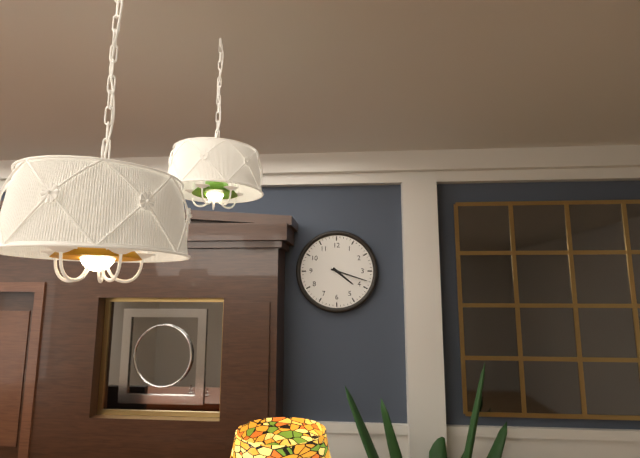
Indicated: **4:18**
